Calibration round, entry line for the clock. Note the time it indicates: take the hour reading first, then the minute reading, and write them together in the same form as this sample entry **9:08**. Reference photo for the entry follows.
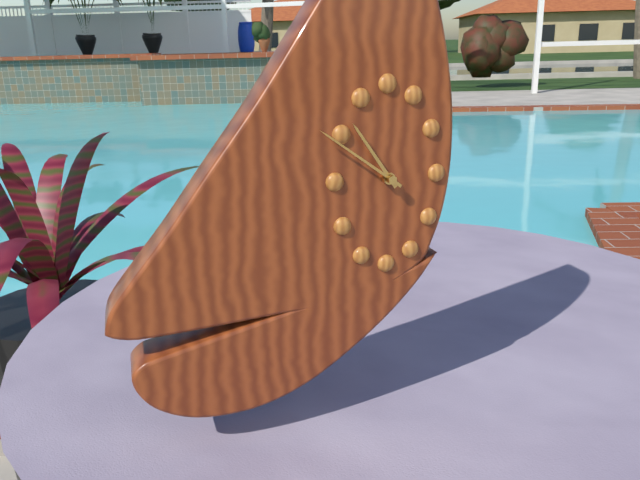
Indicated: **10:51**
